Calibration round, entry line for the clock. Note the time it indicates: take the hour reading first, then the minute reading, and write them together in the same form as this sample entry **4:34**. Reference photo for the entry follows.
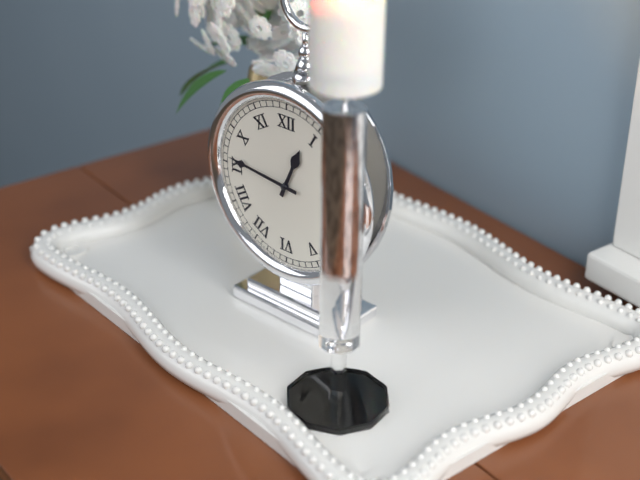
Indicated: **12:46**
